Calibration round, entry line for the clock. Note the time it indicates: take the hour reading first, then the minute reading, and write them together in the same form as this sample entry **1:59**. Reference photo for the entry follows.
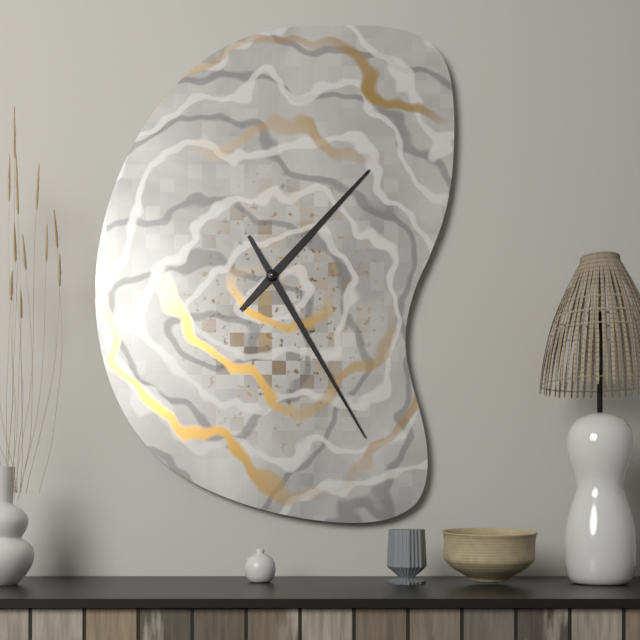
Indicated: **1:25**
